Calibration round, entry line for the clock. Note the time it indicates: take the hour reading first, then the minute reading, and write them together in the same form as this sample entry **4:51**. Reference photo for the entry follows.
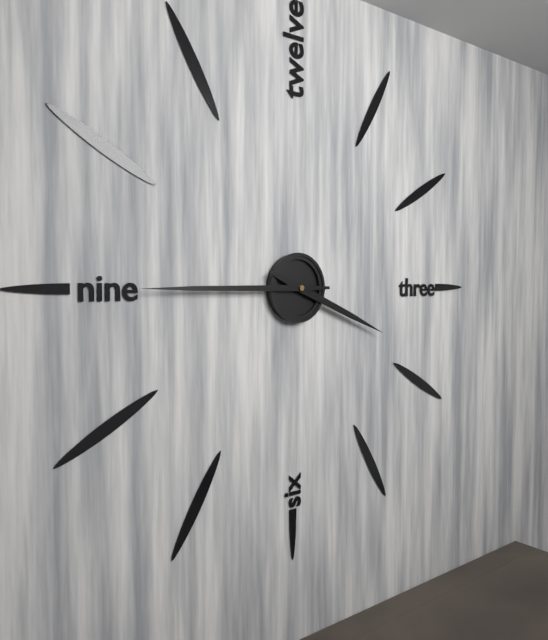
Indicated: **3:45**
